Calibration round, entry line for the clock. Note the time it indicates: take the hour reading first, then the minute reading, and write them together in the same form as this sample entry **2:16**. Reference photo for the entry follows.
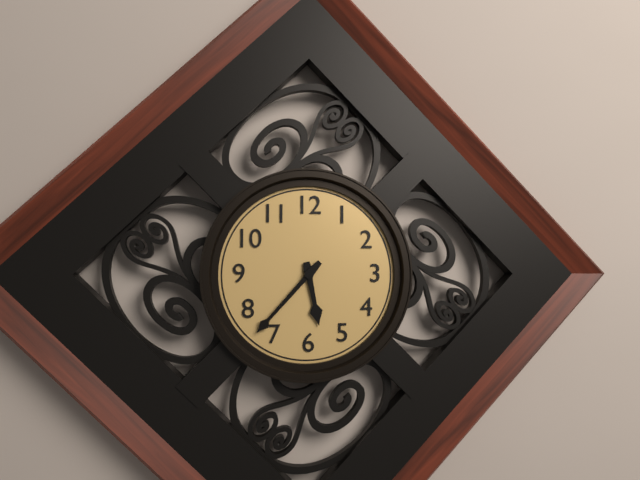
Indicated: **5:37**
